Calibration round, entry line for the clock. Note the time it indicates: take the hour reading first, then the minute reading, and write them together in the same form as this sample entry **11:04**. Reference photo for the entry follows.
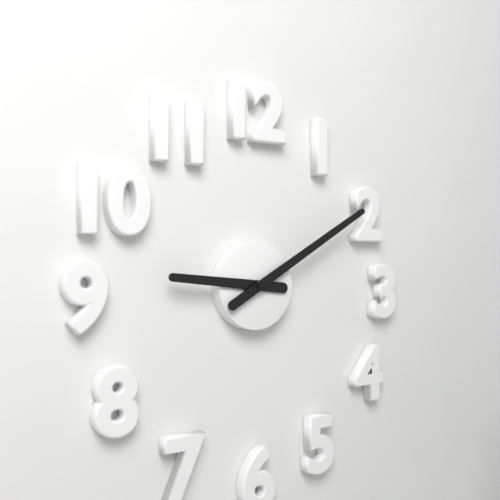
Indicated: **9:10**
